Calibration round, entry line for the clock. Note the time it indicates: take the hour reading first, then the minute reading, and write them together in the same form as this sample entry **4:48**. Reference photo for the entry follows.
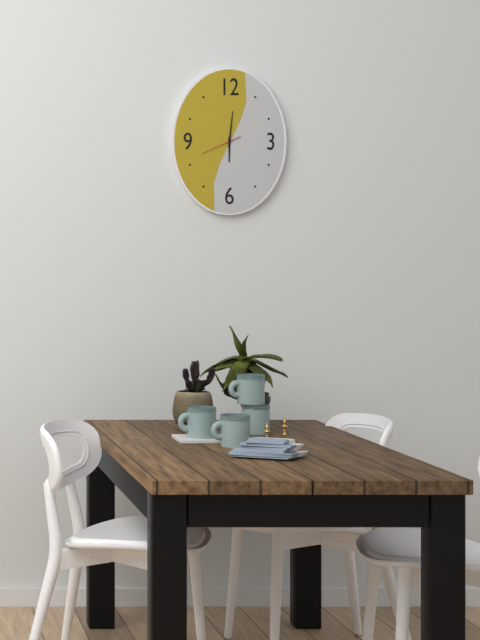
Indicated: **6:01**
